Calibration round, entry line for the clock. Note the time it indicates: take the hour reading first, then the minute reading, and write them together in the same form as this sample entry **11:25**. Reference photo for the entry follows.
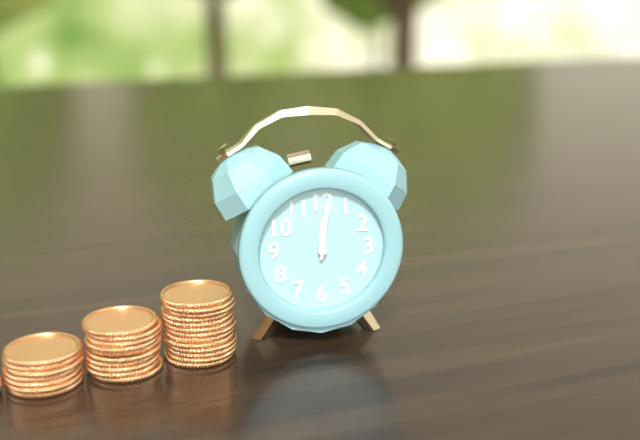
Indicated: **12:01**
